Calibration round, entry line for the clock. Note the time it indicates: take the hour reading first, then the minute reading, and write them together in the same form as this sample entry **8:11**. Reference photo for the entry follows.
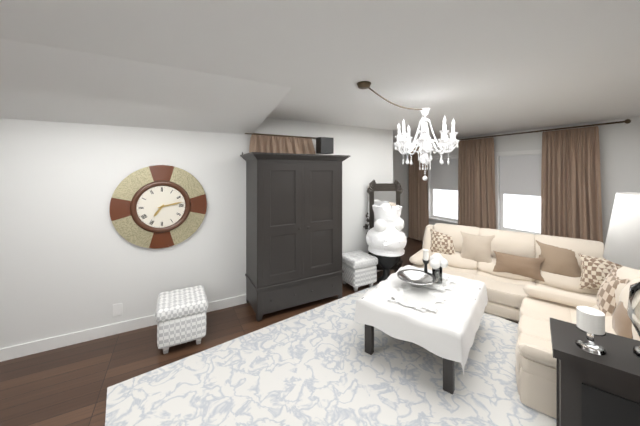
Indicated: **7:13**
